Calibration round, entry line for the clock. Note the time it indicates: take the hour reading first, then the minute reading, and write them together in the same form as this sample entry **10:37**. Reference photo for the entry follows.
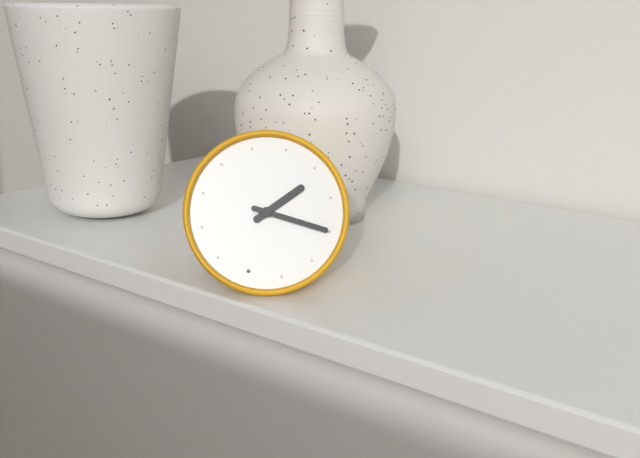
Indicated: **1:15**
